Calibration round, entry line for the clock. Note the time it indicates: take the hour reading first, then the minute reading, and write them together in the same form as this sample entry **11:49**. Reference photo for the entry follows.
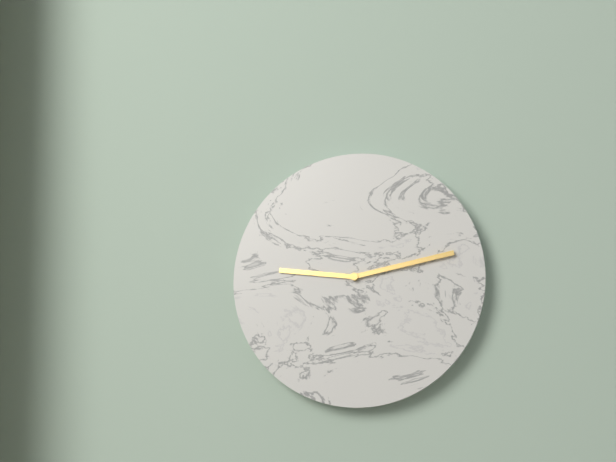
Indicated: **9:13**
